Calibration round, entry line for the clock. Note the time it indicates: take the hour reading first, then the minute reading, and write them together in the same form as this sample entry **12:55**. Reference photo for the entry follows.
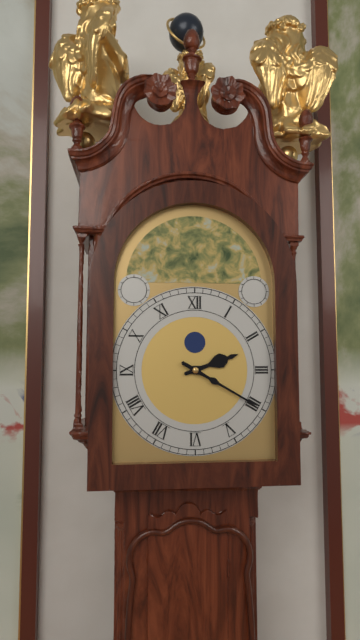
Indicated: **2:20**
